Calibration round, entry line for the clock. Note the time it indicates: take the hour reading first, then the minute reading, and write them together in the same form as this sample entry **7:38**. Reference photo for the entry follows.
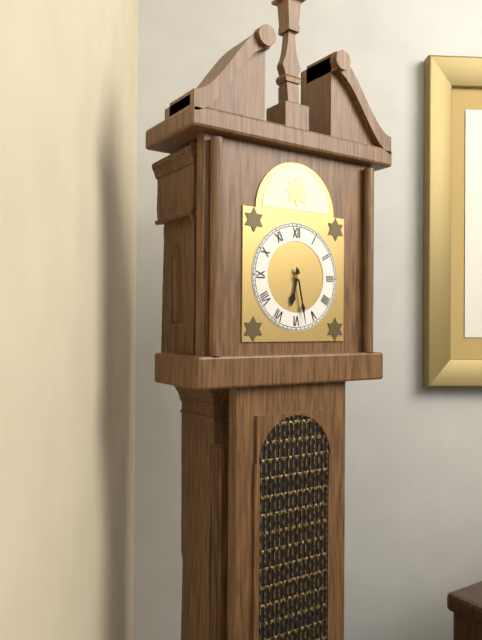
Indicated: **6:28**
